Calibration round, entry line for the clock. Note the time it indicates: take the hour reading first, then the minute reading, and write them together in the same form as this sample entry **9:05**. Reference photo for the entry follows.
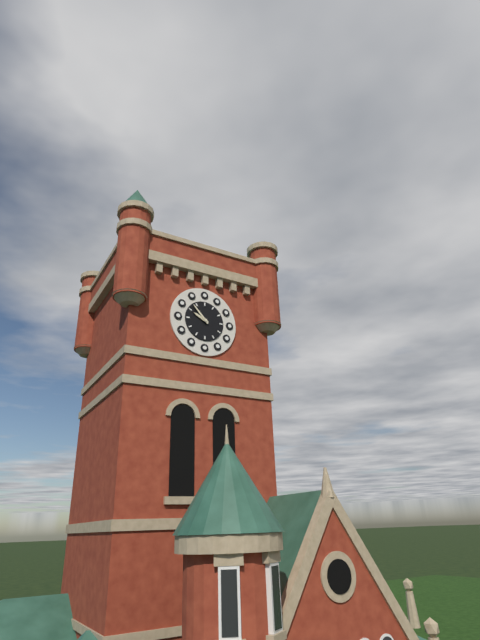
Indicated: **9:53**
